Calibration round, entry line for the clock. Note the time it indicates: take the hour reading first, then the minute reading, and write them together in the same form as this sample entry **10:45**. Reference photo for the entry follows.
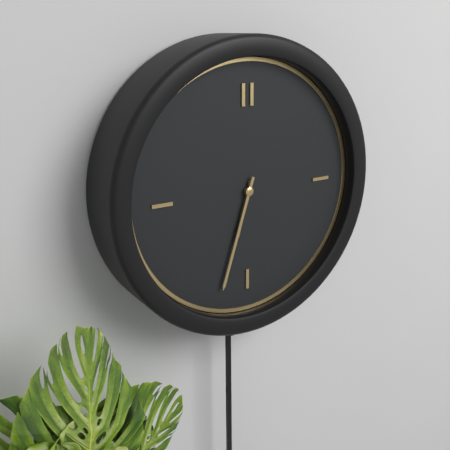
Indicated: **6:33**
